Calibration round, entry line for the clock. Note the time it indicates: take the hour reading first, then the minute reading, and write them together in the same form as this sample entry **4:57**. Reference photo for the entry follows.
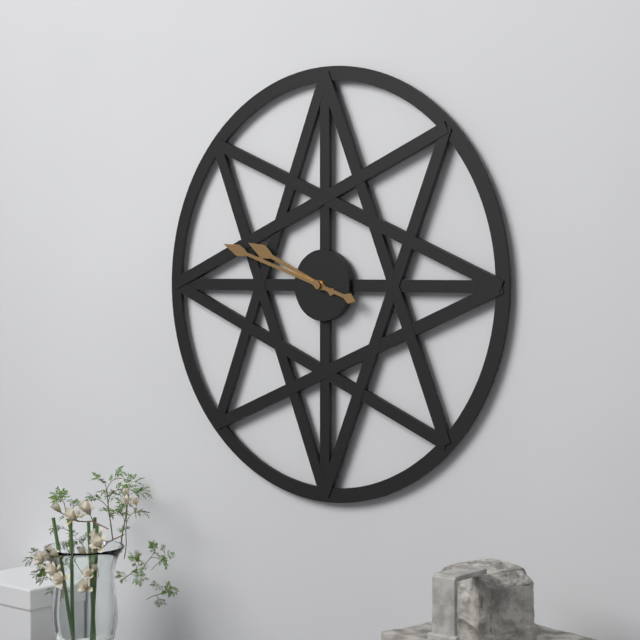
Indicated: **9:48**
